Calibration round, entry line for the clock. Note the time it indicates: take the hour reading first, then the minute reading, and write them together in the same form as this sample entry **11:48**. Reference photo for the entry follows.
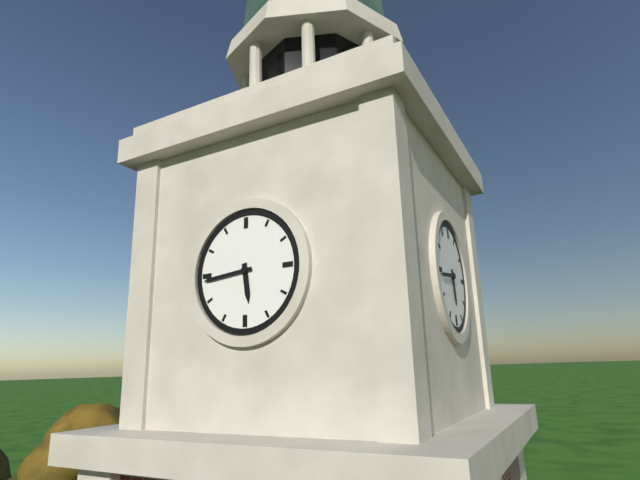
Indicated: **5:44**
